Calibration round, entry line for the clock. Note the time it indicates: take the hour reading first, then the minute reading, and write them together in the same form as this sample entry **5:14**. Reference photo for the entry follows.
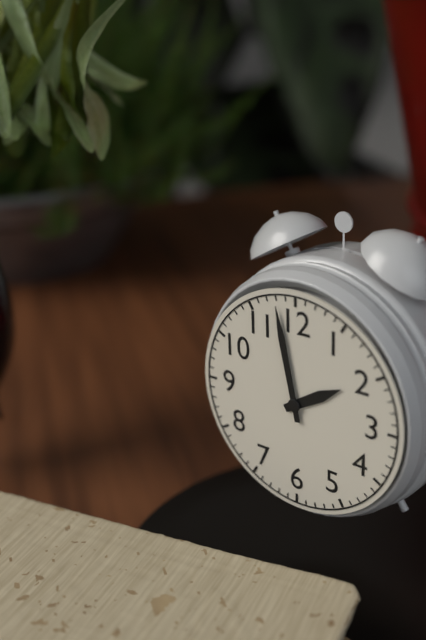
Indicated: **1:58**
